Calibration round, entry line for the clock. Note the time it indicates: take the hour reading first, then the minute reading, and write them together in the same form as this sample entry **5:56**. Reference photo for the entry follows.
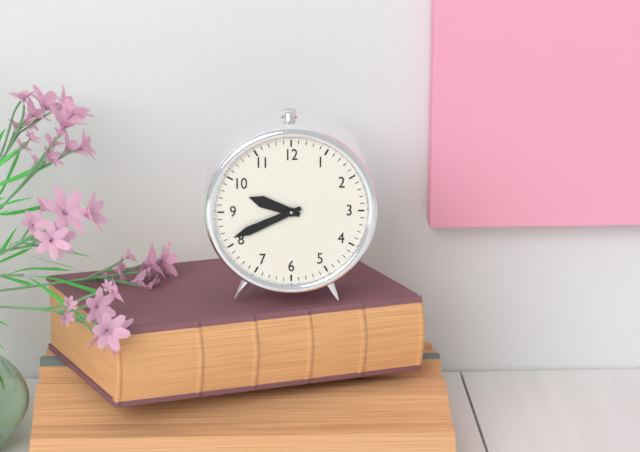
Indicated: **9:41**
